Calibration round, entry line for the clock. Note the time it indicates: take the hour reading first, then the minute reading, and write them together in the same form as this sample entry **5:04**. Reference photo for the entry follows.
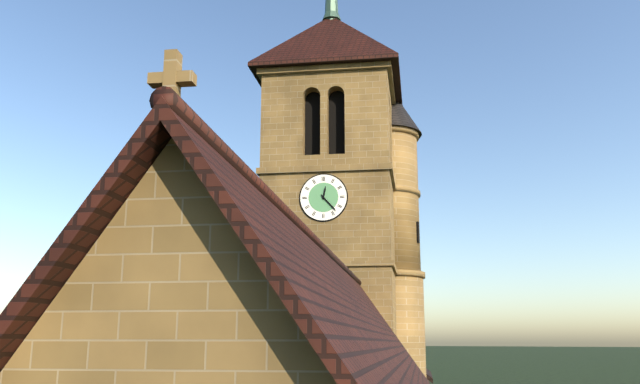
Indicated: **12:23**
